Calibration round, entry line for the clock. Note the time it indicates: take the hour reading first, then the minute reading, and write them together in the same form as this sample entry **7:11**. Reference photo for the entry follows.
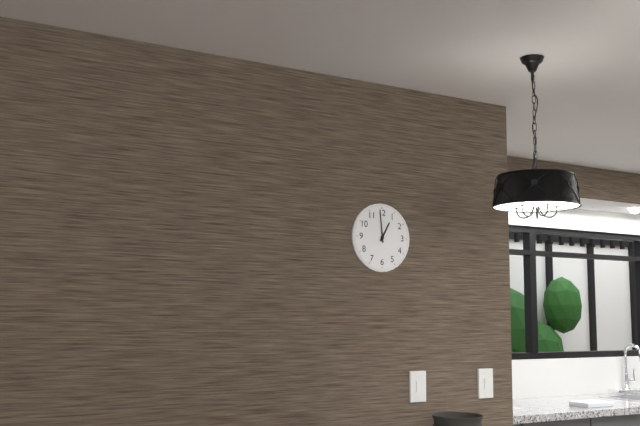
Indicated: **12:59**
